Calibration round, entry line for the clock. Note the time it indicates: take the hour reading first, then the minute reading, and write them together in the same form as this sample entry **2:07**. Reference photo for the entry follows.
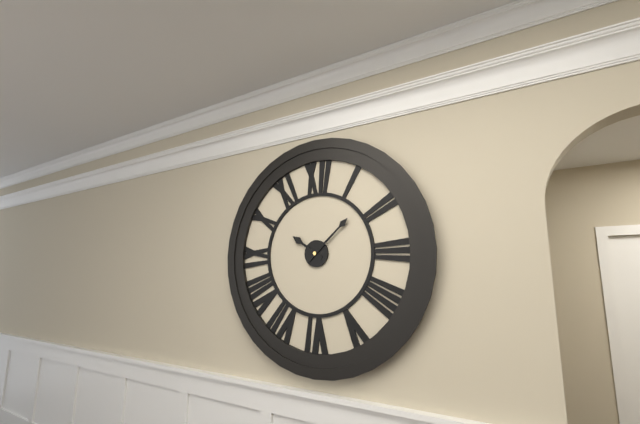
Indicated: **10:08**
